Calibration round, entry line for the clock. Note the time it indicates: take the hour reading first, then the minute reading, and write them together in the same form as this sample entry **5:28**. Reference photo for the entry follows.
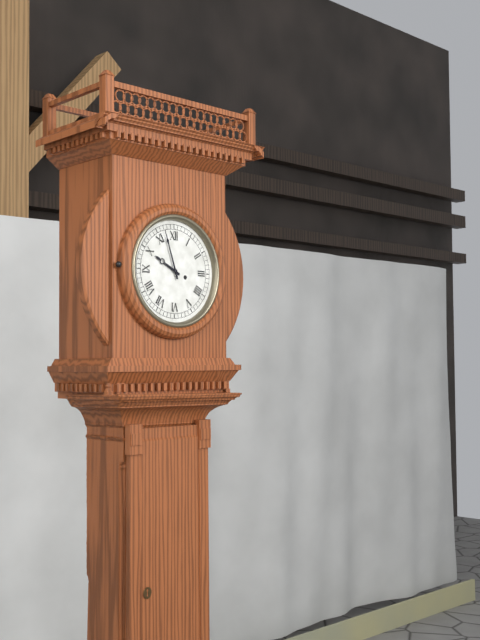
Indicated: **9:57**
